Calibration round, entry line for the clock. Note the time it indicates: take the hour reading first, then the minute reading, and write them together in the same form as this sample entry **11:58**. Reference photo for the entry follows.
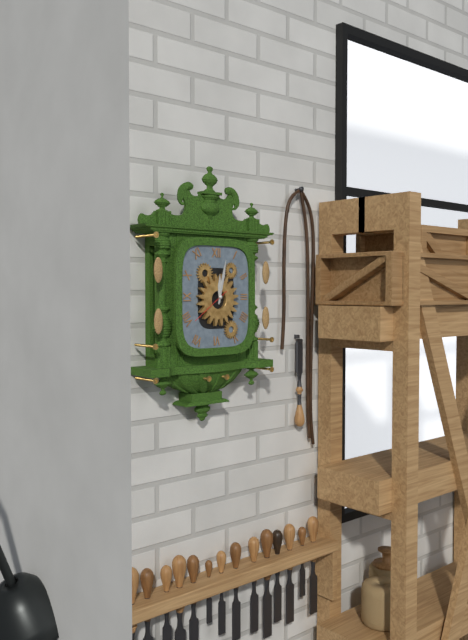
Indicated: **12:02**
